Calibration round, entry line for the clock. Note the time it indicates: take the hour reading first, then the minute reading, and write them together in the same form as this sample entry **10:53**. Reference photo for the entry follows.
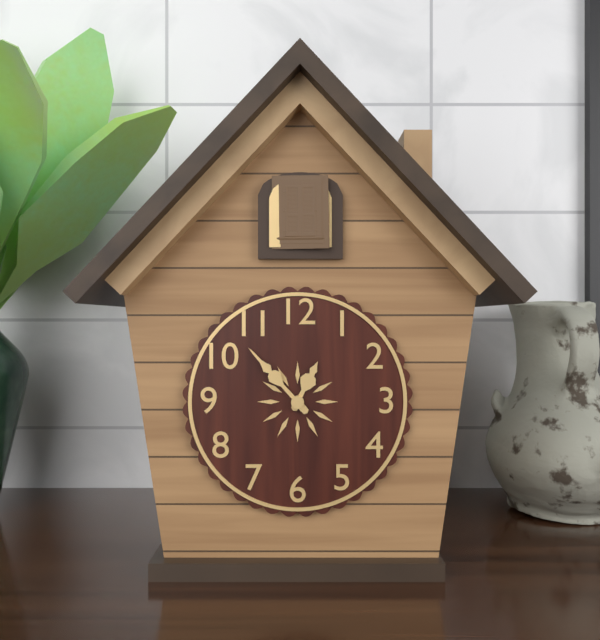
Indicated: **12:53**
